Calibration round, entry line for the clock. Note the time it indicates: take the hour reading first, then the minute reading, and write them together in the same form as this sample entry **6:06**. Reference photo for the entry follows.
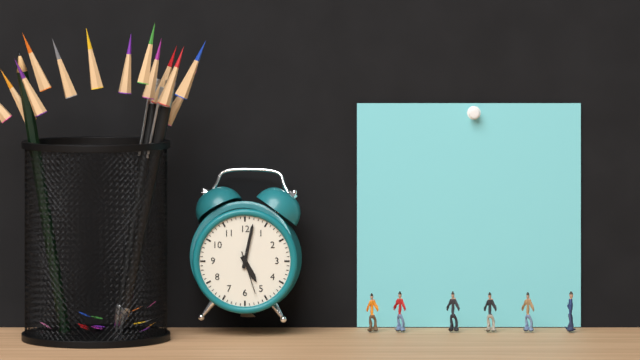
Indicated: **5:02**
